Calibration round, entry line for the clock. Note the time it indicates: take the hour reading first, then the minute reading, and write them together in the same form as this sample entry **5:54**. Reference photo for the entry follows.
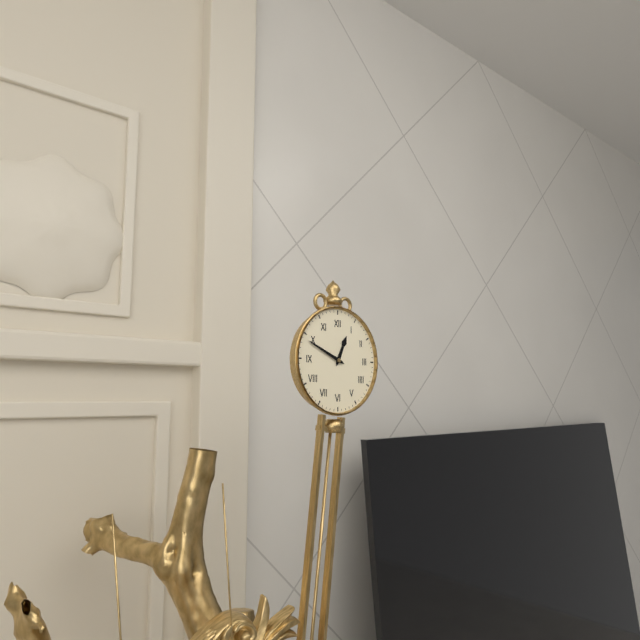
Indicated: **12:49**
